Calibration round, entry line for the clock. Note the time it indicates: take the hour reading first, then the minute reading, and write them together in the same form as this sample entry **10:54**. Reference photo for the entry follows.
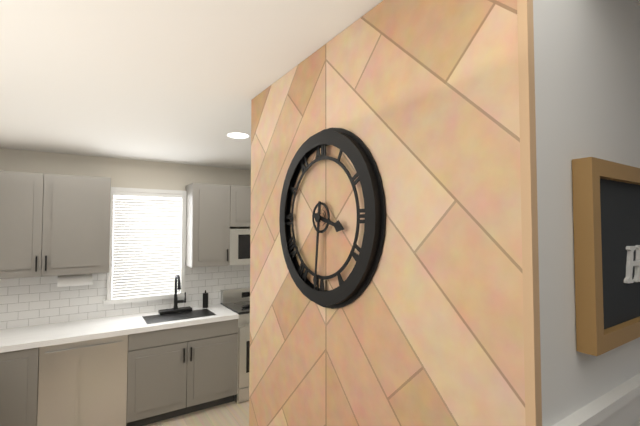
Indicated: **3:31**
